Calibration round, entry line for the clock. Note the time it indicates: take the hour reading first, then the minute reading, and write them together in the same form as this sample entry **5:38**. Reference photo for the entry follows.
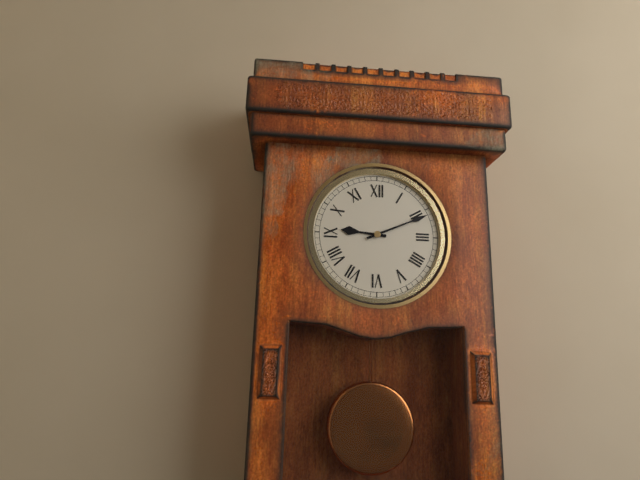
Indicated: **9:11**
